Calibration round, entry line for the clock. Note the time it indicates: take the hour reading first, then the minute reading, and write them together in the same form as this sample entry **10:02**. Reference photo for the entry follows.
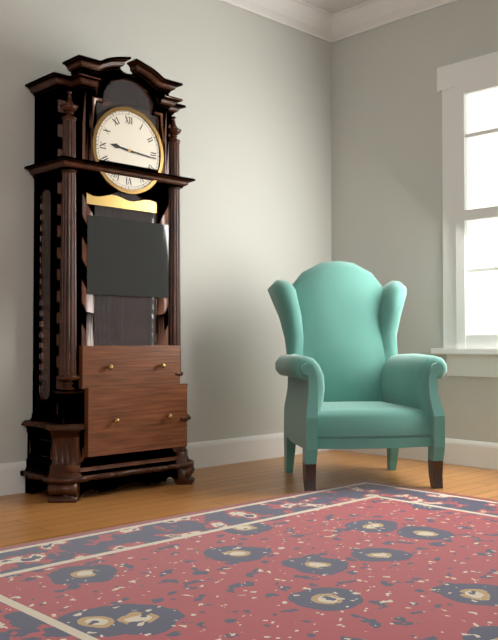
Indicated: **9:16**
